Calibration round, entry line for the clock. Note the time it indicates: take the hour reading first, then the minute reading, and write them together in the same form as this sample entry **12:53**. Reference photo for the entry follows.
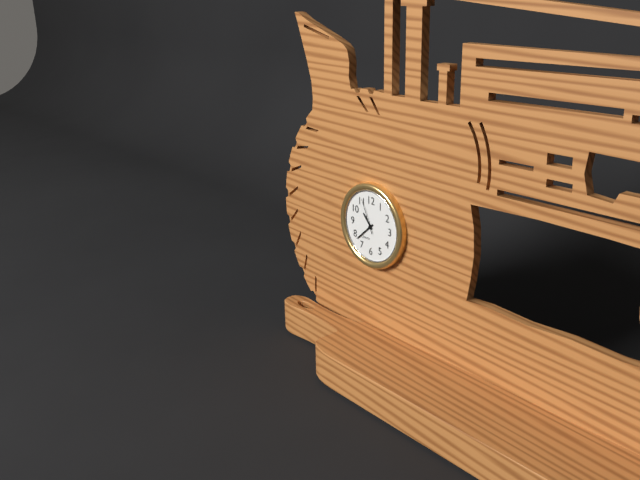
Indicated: **10:38**
